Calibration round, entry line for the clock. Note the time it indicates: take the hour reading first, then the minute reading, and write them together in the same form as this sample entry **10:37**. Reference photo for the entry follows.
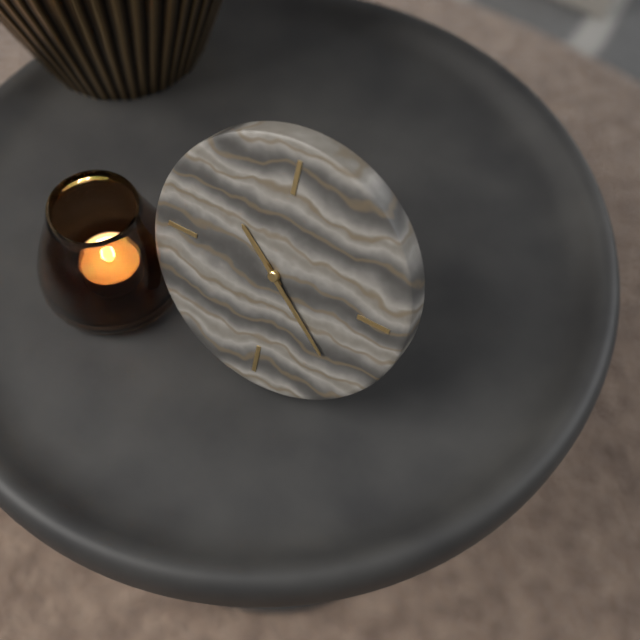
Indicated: **10:22**
